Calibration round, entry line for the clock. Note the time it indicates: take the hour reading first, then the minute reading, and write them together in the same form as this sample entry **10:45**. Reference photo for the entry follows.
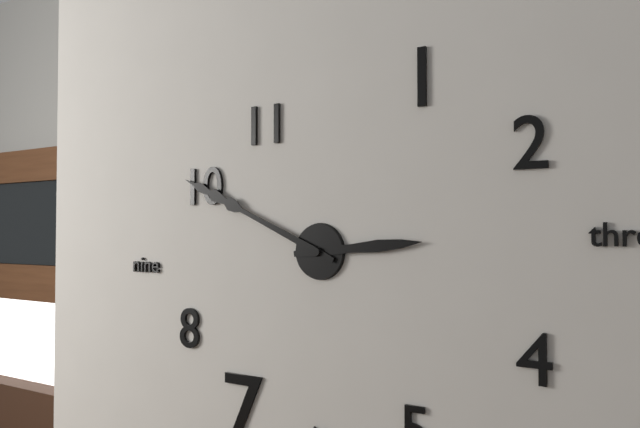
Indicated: **2:49**
